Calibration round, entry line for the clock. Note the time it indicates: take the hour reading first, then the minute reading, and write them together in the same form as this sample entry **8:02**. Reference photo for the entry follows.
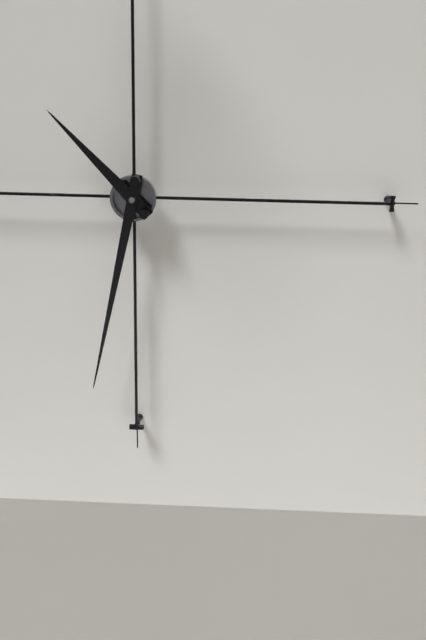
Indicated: **10:32**
